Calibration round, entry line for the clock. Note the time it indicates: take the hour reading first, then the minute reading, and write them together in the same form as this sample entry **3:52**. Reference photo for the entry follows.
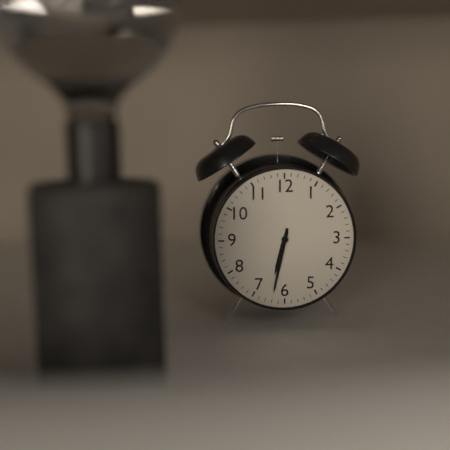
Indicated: **6:32**
